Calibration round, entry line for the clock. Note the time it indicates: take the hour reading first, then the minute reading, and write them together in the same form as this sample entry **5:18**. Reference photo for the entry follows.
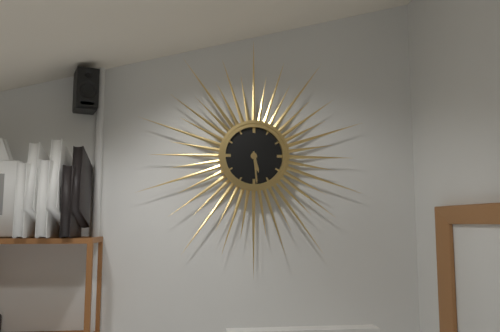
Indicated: **5:29**
